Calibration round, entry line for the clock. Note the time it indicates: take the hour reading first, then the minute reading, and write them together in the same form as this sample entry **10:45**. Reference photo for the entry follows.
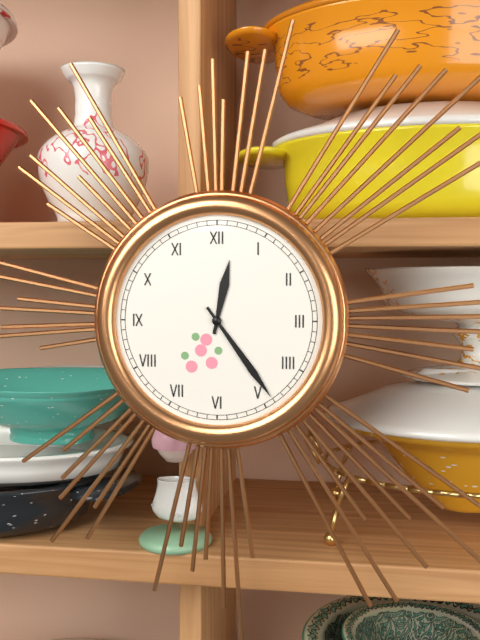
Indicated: **12:24**
